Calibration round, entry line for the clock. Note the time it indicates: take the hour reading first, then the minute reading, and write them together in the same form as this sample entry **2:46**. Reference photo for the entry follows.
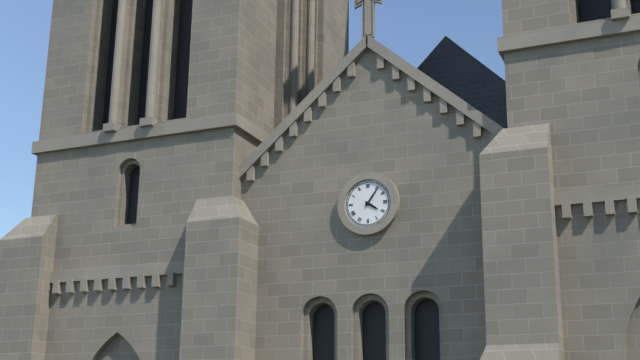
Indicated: **4:06**
